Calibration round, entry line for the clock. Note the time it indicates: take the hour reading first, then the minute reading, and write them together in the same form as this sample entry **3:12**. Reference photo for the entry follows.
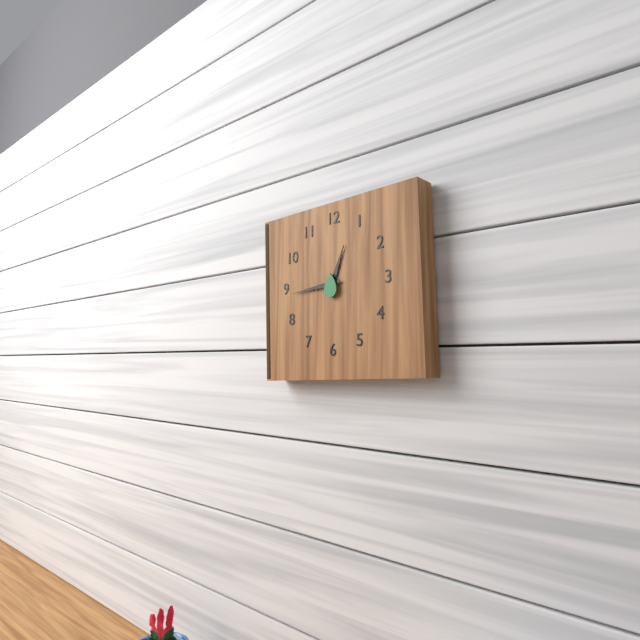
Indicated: **12:44**
